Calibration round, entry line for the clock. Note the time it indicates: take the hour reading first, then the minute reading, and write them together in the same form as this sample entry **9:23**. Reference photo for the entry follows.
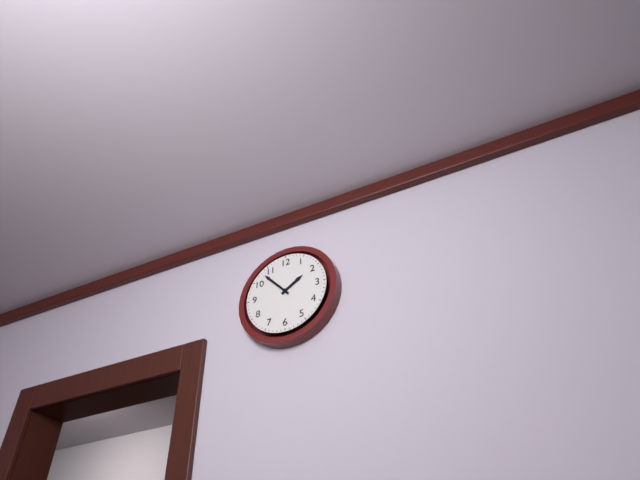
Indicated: **1:53**
